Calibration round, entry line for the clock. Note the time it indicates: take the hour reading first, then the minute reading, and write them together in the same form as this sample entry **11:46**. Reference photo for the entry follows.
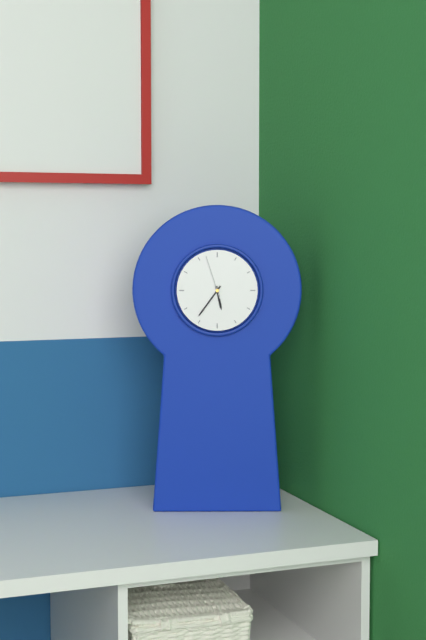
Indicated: **5:36**
